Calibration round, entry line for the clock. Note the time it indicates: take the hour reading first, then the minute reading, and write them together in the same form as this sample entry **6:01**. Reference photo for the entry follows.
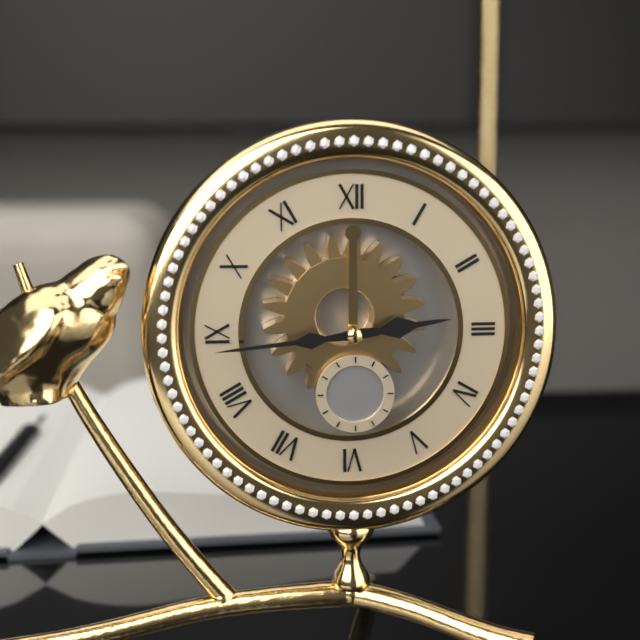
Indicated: **2:44**
